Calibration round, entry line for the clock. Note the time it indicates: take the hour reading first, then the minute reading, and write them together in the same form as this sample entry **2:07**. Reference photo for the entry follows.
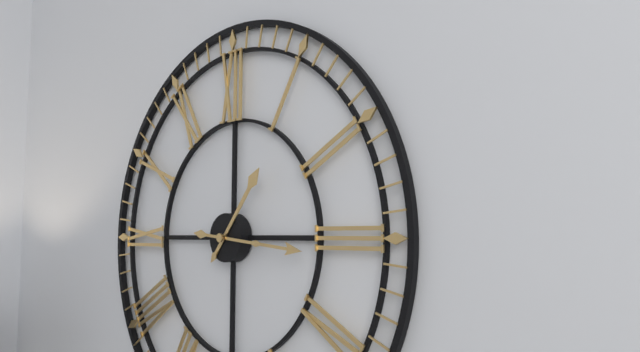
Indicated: **1:16**
